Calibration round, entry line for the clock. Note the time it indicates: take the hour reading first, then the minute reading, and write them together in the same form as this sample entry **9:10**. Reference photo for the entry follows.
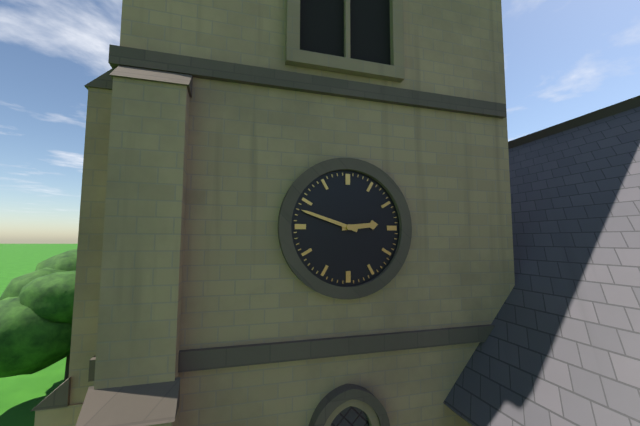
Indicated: **2:48**
